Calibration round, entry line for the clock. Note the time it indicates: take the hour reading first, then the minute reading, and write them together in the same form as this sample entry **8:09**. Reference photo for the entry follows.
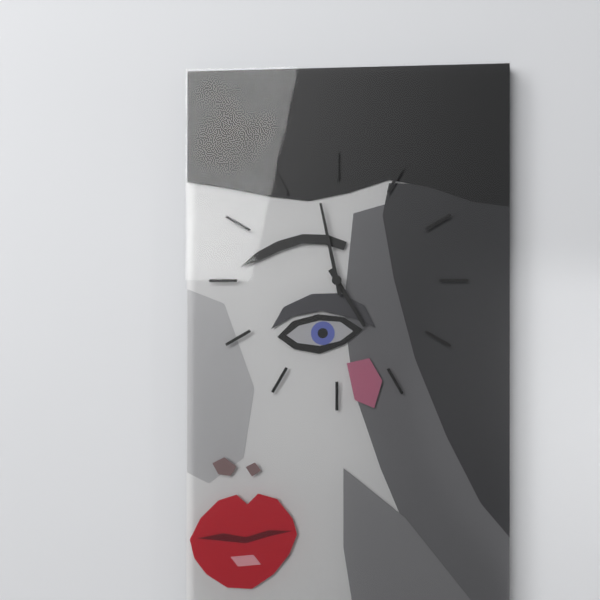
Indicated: **4:58**
